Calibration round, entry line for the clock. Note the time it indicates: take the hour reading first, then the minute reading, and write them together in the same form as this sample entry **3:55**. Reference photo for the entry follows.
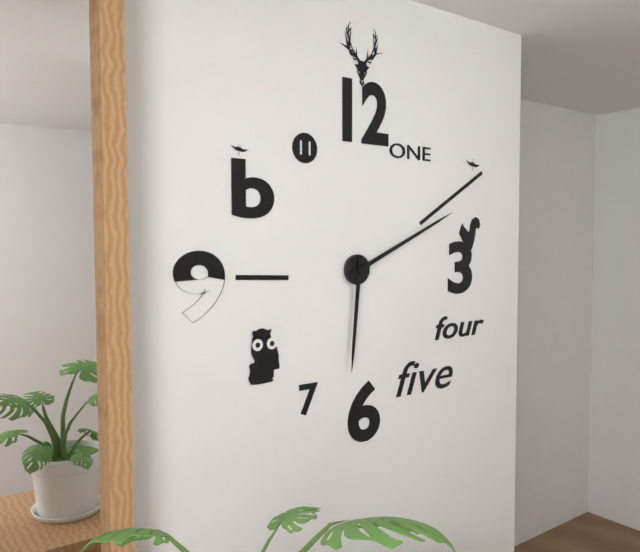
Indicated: **6:11**
